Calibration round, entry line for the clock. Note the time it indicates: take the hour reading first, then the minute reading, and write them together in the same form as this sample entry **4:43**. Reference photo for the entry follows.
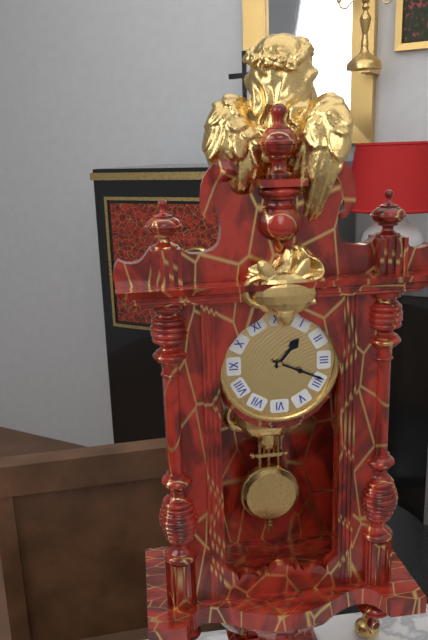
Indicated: **1:19**
